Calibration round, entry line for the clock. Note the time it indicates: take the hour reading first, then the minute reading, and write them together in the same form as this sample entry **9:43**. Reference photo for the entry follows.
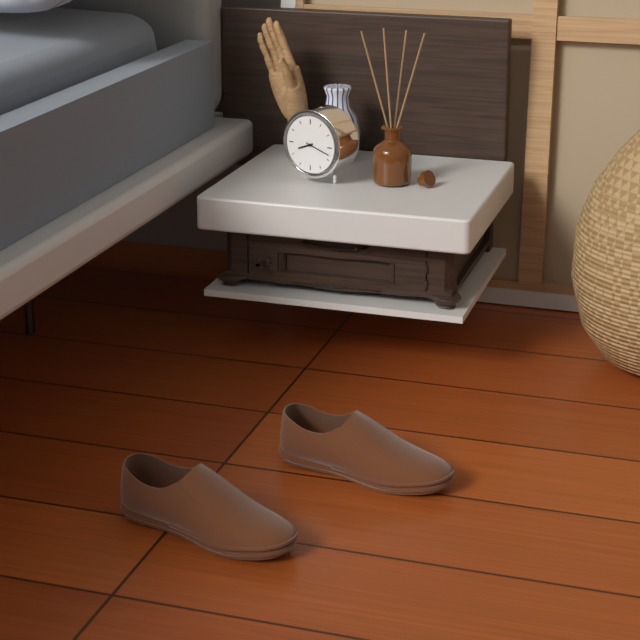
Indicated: **8:18**
